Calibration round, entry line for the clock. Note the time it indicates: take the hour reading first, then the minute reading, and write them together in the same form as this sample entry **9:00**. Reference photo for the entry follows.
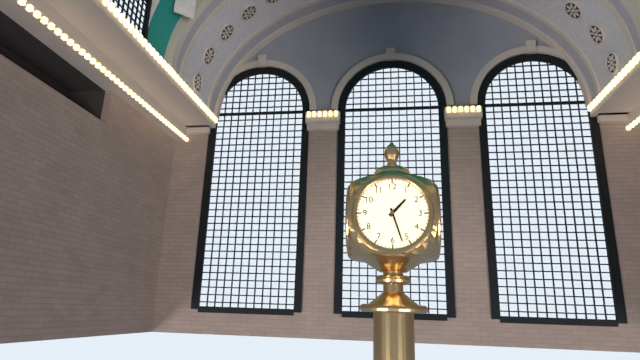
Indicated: **1:27**
